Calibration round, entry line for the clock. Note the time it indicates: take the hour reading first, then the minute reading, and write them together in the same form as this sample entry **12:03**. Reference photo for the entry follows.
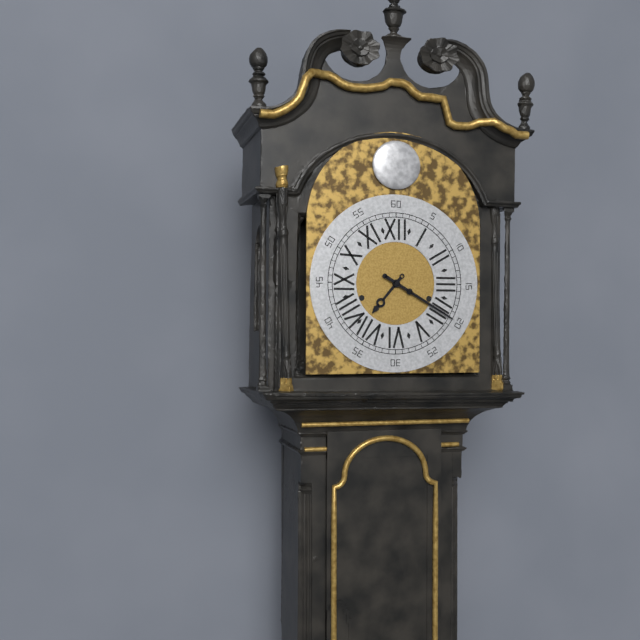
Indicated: **7:20**
